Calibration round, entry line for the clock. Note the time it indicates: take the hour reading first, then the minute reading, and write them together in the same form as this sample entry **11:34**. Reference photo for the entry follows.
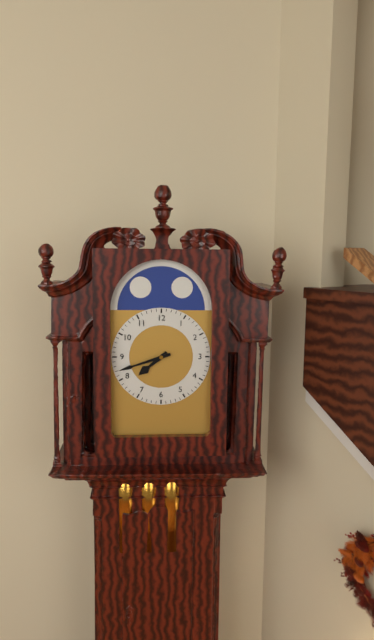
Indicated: **7:42**
